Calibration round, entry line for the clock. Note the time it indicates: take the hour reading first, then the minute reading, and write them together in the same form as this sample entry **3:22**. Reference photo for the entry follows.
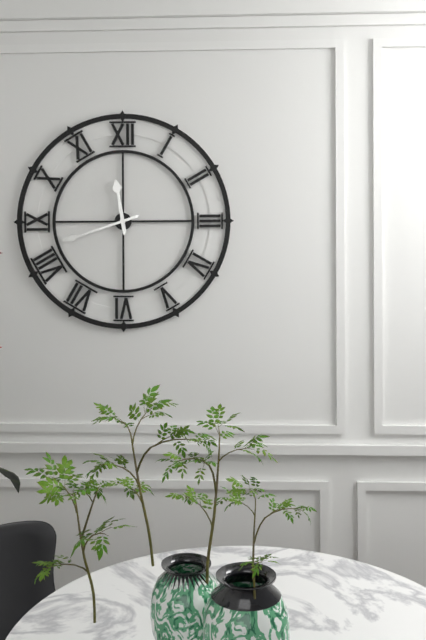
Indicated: **11:42**
